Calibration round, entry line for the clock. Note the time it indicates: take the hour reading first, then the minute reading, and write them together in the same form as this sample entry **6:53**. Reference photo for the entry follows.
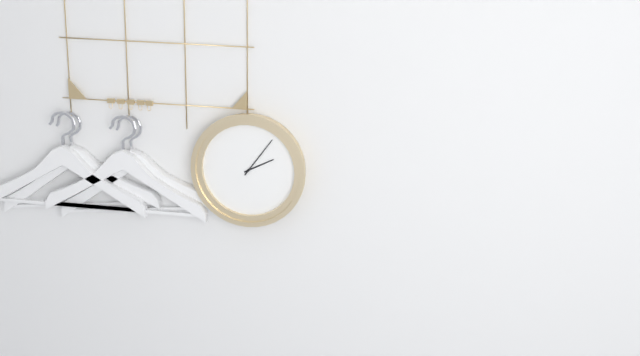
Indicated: **2:06**
